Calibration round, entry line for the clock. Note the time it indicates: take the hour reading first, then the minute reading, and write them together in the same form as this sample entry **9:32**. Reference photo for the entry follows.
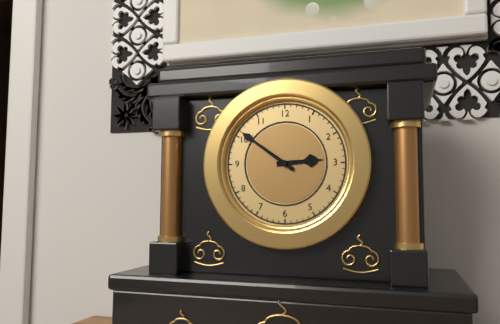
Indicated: **2:51**
